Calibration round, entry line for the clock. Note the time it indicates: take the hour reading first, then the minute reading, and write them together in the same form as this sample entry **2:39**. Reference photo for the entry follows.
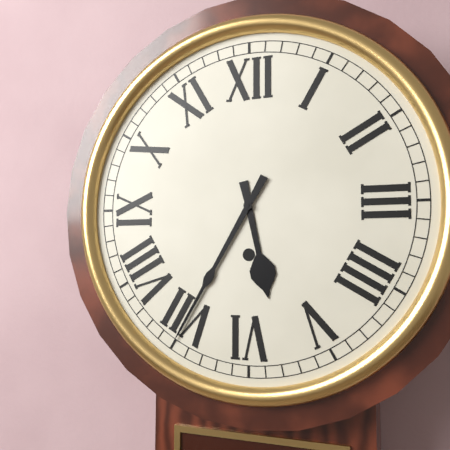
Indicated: **5:35**
